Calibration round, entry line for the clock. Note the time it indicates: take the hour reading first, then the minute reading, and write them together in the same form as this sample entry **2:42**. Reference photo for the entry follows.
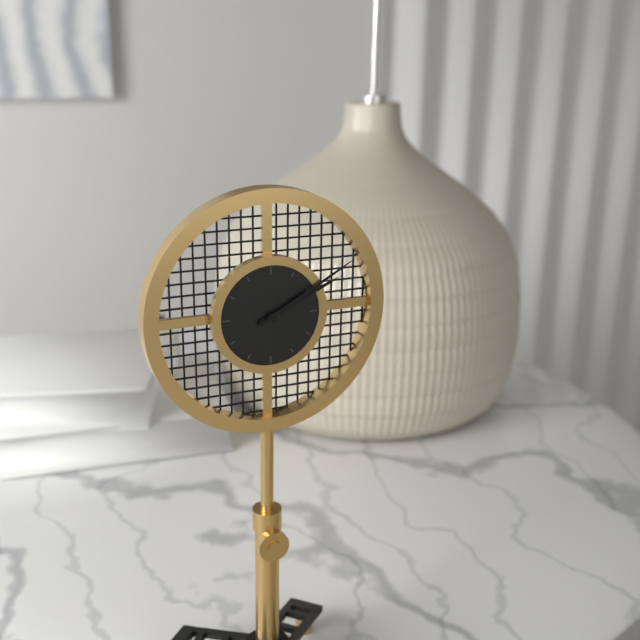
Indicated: **2:10**
